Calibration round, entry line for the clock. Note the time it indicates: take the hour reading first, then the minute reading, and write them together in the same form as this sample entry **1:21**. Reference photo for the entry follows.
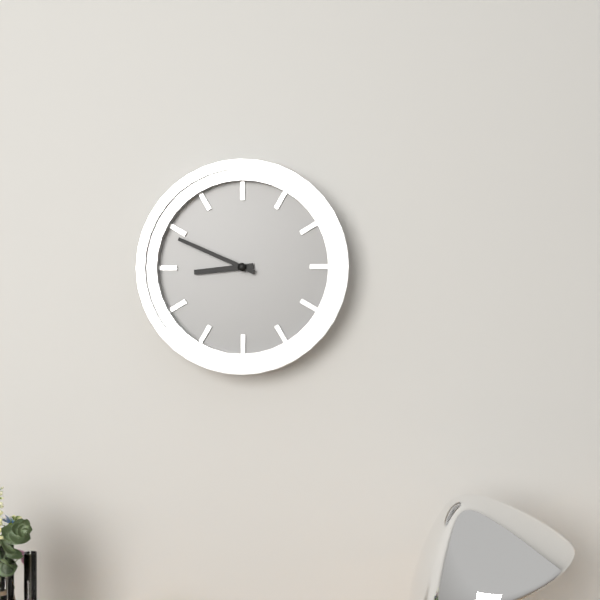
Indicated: **8:49**
